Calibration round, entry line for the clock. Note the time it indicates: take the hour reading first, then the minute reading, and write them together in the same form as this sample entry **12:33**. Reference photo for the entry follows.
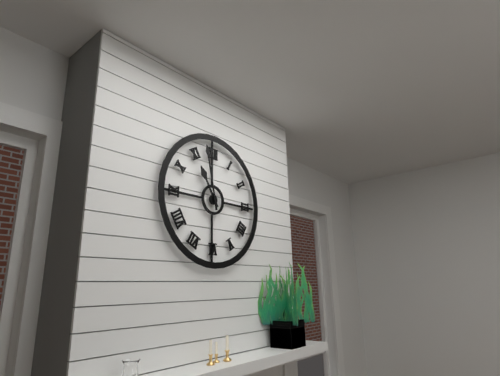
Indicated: **10:58**
